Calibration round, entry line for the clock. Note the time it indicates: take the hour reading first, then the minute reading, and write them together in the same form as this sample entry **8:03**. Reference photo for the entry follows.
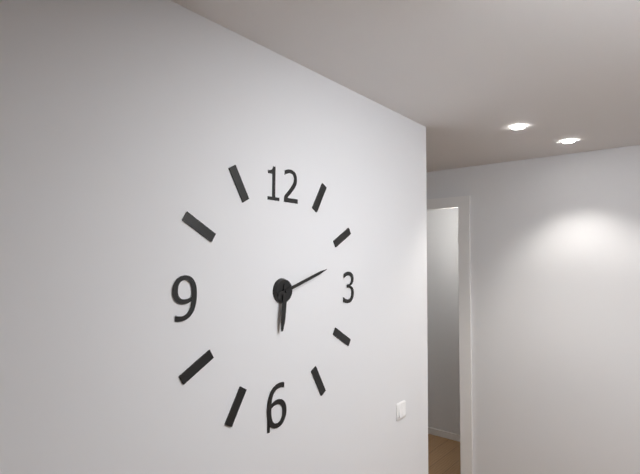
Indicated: **6:12**
